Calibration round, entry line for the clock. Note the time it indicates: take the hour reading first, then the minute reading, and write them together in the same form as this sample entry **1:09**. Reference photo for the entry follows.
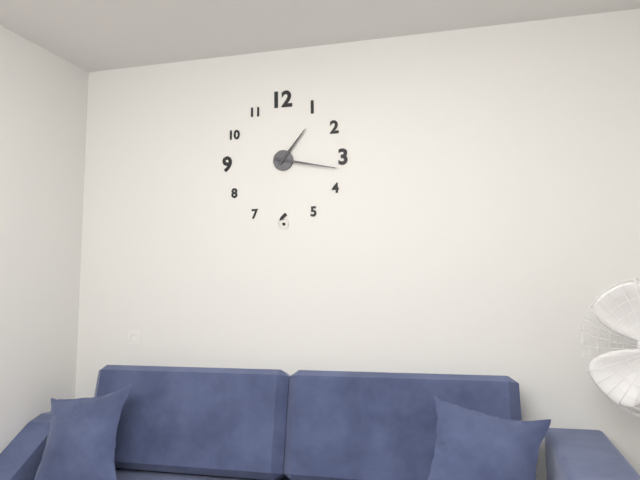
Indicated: **1:17**
